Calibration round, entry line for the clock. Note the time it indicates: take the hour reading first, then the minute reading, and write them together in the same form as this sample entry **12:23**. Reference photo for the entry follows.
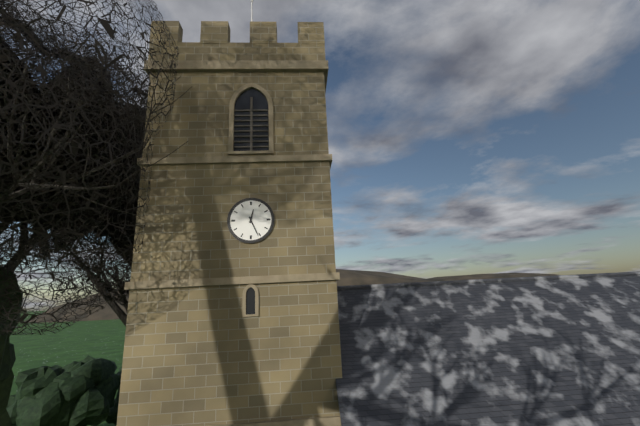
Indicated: **12:26**
